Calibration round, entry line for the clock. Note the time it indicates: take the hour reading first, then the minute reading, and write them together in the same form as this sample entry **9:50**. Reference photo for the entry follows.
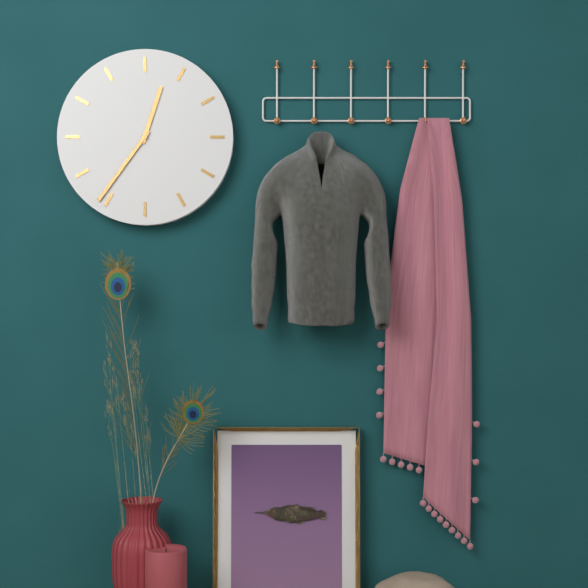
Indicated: **12:36**
